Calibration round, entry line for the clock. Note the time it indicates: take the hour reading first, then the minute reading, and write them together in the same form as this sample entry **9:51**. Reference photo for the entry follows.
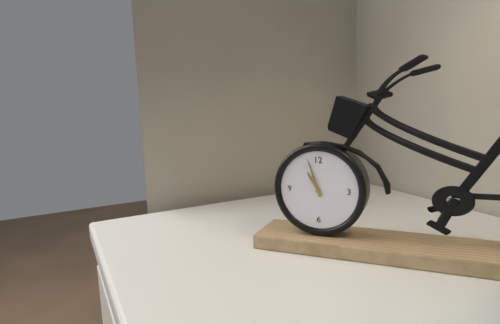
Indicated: **10:57**
